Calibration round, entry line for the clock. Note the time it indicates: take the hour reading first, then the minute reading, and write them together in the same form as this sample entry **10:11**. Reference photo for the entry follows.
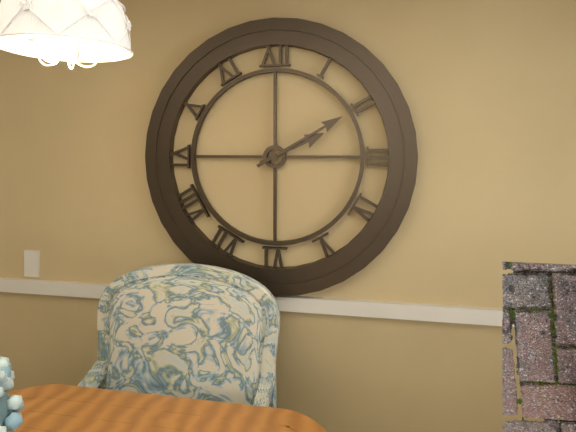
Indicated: **2:10**
